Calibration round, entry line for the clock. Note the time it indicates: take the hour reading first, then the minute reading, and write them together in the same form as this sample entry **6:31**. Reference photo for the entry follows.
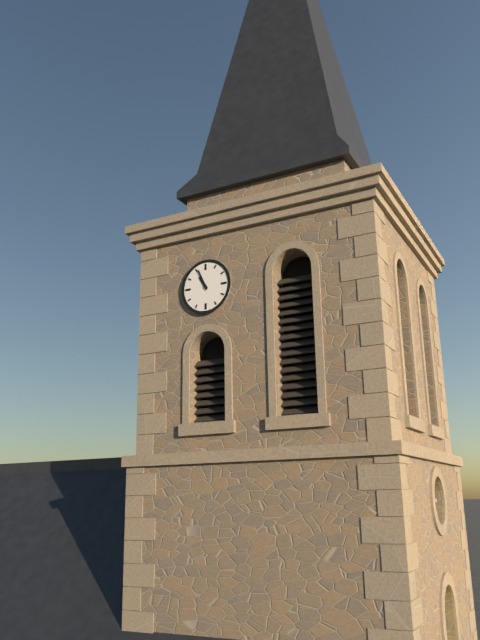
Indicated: **10:56**
